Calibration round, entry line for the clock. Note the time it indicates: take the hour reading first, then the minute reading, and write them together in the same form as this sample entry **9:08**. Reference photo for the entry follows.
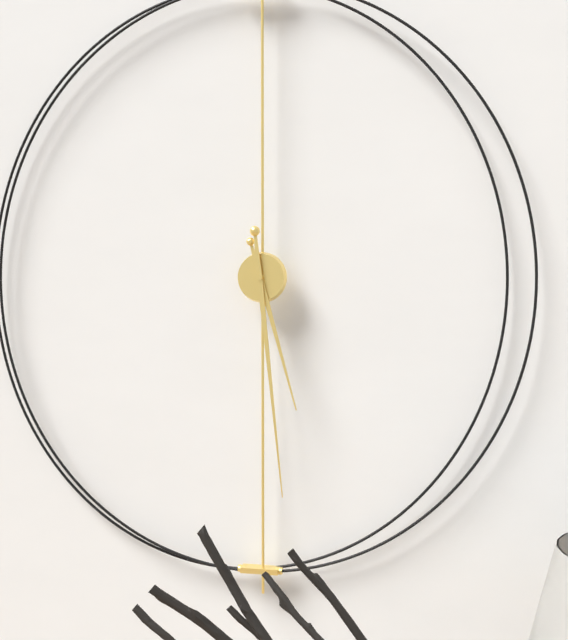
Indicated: **5:29**
